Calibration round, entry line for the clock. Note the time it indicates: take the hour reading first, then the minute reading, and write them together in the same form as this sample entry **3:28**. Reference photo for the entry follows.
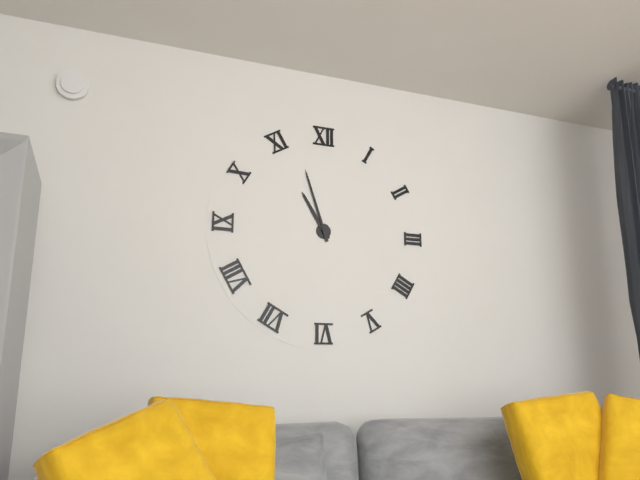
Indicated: **10:57**
